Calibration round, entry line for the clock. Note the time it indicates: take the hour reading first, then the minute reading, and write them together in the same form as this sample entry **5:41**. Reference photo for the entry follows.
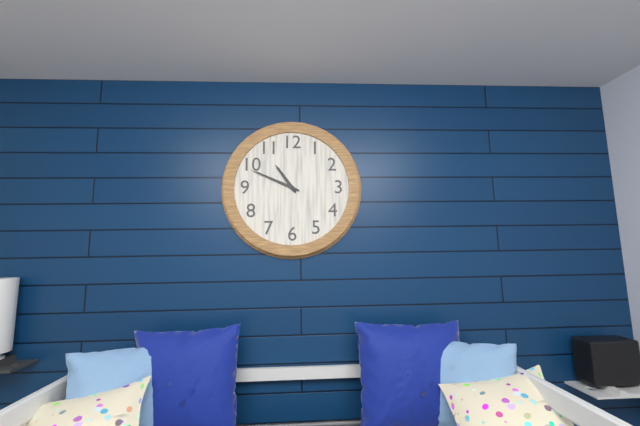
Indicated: **10:49**
